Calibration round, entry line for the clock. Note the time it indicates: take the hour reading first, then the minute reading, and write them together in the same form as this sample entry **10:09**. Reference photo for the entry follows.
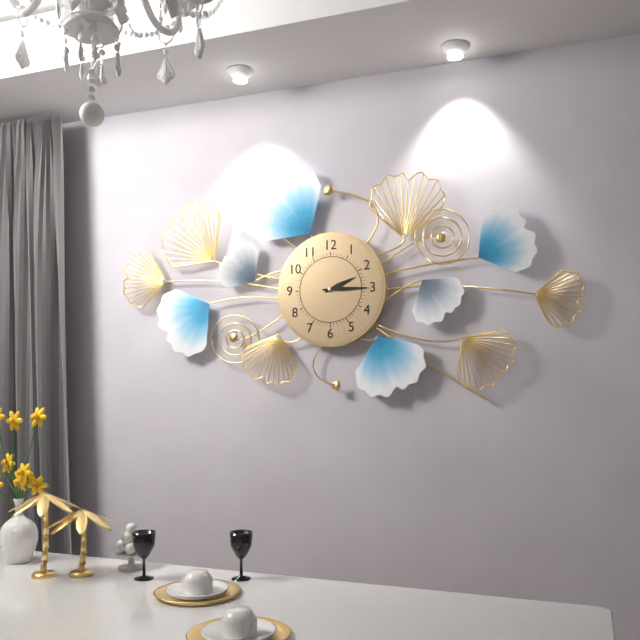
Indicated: **2:15**
